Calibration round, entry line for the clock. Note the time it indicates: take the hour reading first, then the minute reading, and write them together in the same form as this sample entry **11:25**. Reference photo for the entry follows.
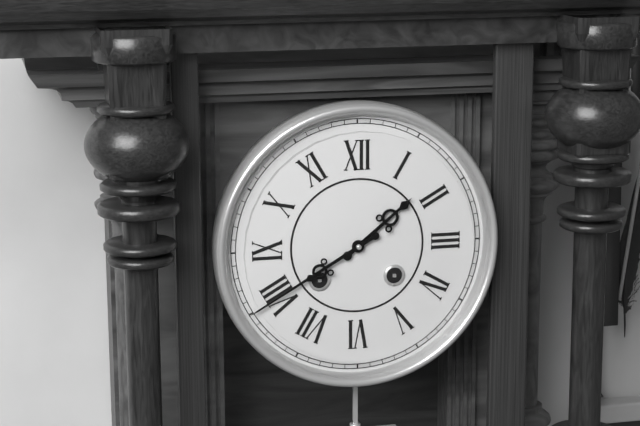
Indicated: **1:40**
